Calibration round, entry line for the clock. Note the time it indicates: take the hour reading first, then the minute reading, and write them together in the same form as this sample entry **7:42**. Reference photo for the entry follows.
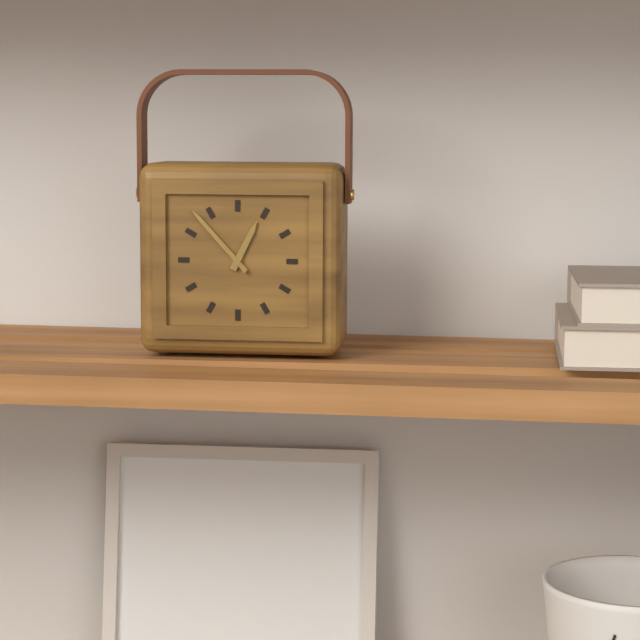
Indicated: **12:53**
